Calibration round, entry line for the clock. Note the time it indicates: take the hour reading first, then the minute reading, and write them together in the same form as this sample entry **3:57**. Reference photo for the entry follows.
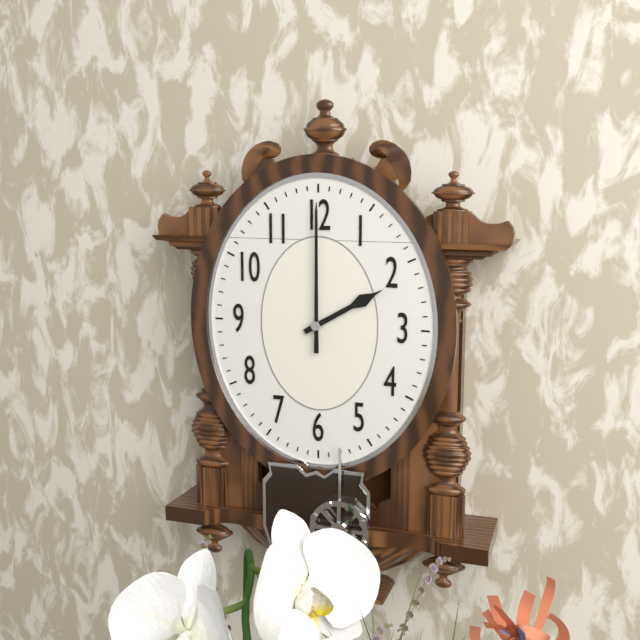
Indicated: **2:00**
